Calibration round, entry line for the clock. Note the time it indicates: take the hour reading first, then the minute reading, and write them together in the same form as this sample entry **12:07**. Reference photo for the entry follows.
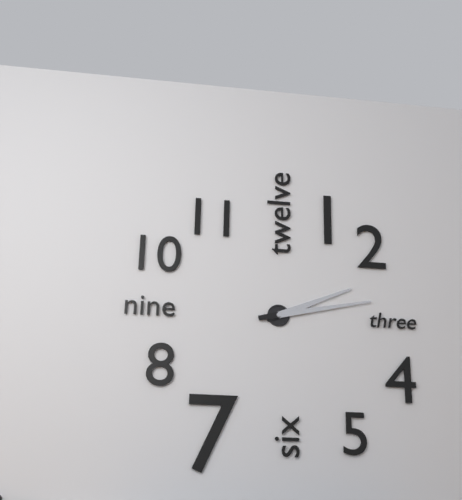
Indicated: **2:13**
